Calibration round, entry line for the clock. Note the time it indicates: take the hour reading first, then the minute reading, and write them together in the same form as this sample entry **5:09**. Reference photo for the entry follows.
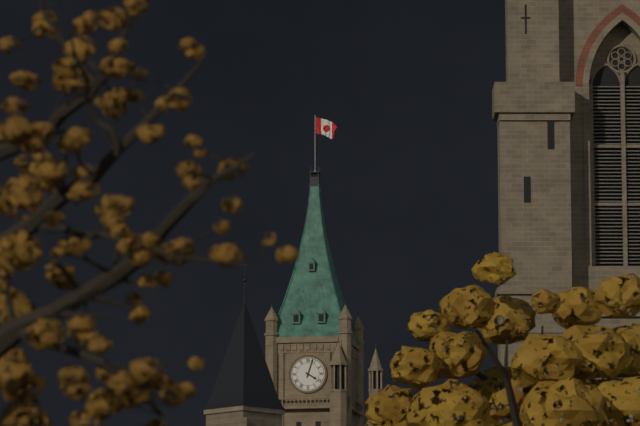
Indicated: **4:03**
